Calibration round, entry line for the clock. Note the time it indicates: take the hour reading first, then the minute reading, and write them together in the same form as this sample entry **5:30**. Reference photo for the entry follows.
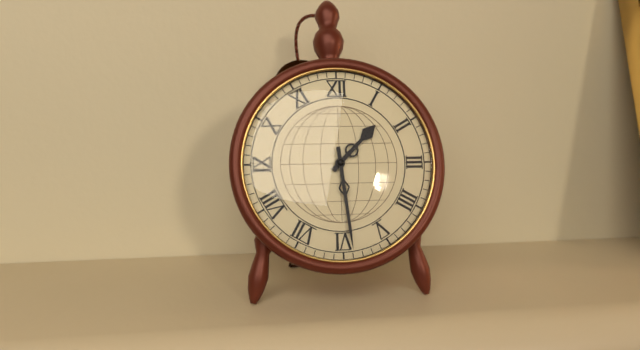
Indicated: **1:29**
